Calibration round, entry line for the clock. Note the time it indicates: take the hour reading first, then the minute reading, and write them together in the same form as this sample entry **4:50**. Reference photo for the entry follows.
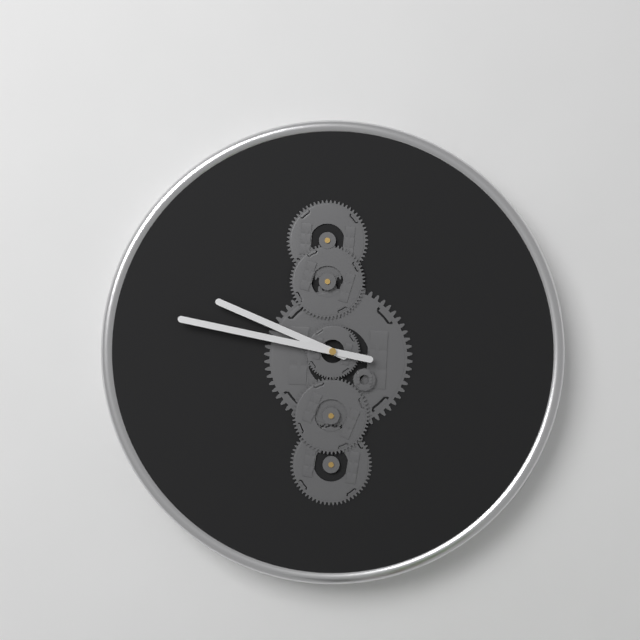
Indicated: **9:47**
